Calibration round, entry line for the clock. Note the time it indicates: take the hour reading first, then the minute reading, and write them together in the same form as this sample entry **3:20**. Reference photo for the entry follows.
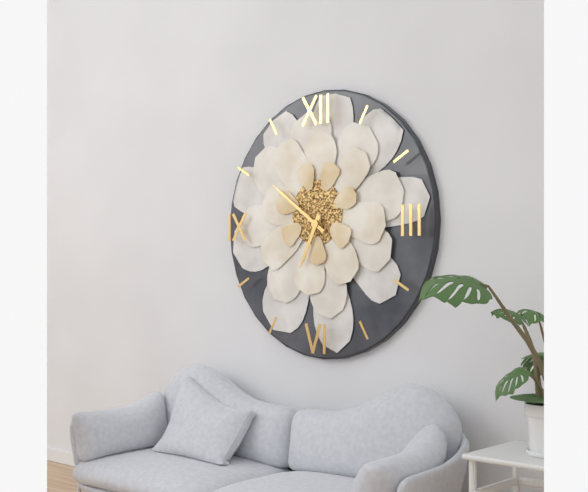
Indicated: **6:51**
